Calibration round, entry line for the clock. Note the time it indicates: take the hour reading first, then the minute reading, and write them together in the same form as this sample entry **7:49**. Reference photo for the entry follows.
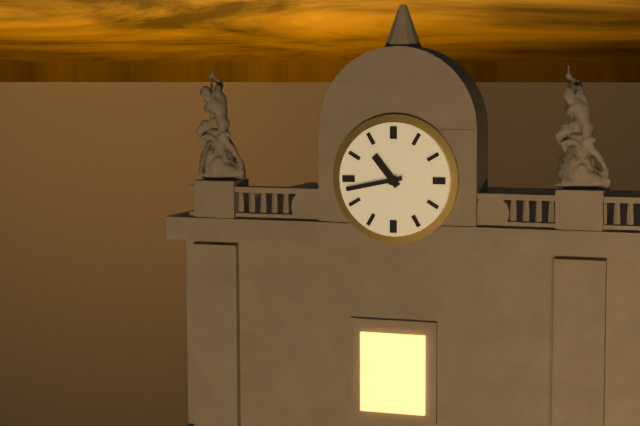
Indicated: **10:43**
